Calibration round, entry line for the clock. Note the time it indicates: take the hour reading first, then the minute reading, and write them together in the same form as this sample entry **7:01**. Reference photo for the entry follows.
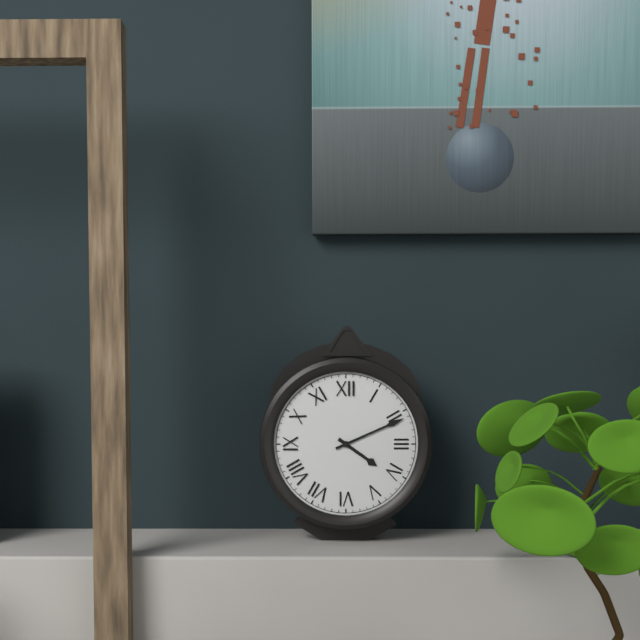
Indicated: **4:11**
